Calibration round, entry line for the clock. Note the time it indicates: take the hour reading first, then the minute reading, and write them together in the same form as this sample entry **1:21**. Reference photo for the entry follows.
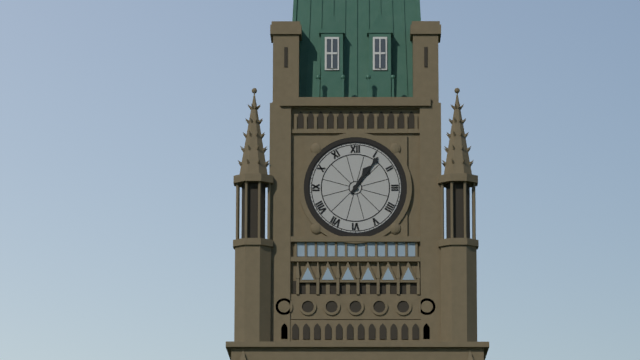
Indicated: **1:06**
